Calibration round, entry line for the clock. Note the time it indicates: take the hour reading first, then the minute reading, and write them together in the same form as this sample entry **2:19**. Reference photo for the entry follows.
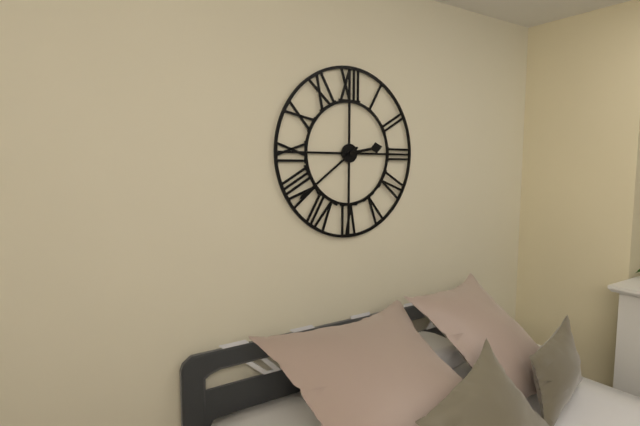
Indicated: **2:39**
